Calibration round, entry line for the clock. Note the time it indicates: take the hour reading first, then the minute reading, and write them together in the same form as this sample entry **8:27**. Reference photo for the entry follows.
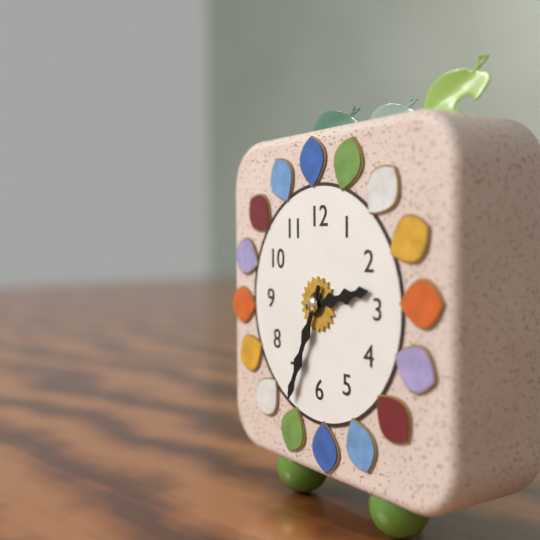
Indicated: **2:34**
